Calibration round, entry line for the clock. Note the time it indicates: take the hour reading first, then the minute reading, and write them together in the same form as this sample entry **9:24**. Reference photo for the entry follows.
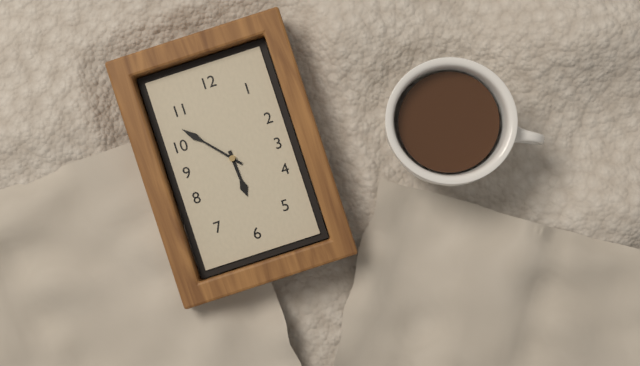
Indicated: **5:53**
